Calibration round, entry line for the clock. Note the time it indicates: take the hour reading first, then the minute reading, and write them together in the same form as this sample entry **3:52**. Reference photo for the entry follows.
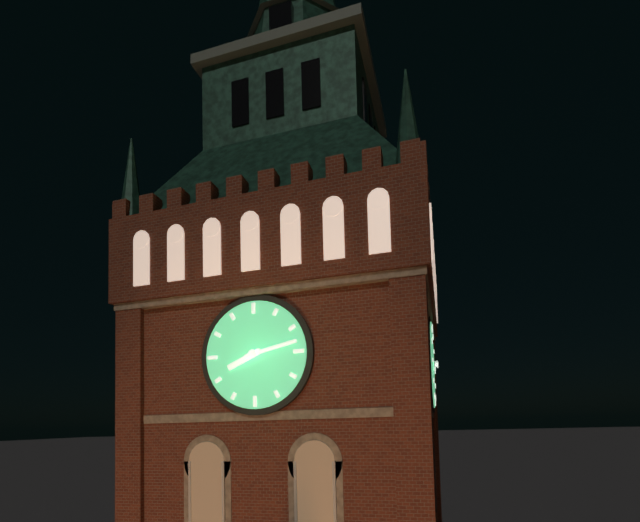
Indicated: **8:13**
